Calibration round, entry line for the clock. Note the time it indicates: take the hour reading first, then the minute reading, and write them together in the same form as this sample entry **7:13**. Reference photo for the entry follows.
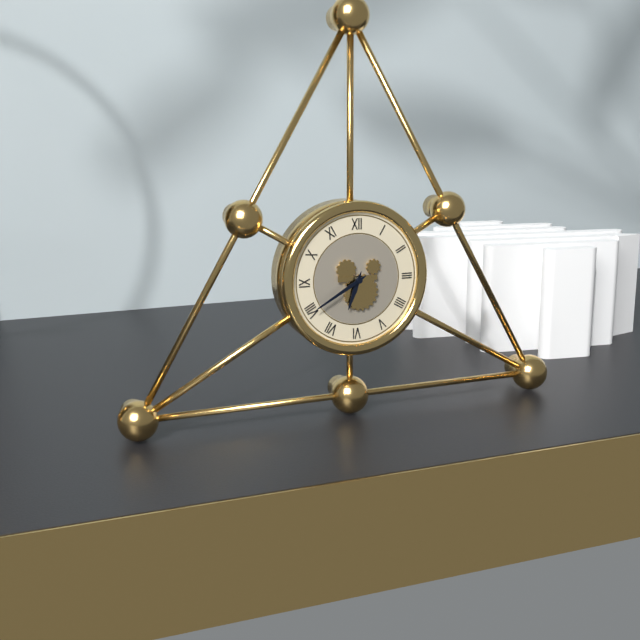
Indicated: **6:40**
